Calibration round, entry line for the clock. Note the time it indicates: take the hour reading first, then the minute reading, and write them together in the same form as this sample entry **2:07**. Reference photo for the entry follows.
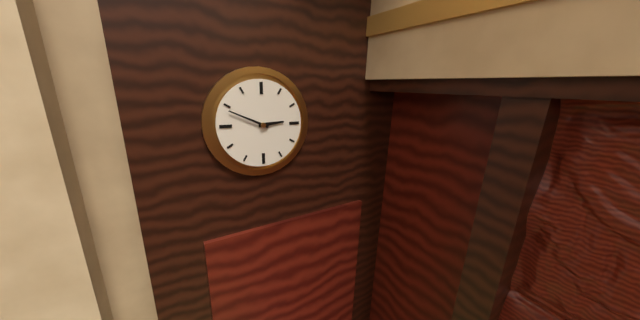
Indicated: **2:49**
